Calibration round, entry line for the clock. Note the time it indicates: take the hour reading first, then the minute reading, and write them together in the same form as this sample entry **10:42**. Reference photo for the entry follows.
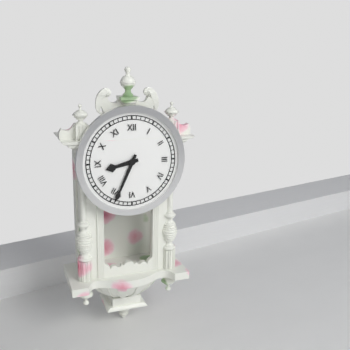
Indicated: **8:34**
